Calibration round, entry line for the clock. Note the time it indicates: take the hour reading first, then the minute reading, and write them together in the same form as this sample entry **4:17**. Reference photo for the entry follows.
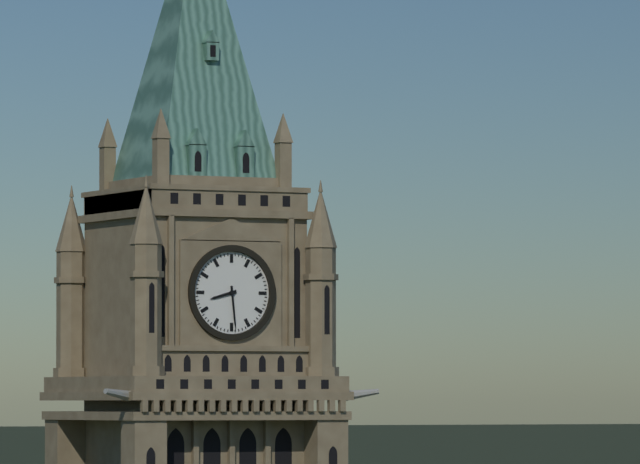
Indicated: **8:29**
